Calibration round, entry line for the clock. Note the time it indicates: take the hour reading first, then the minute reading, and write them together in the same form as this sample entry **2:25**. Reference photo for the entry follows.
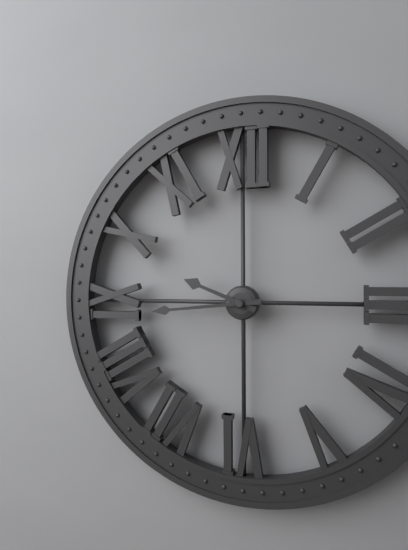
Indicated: **9:44**
